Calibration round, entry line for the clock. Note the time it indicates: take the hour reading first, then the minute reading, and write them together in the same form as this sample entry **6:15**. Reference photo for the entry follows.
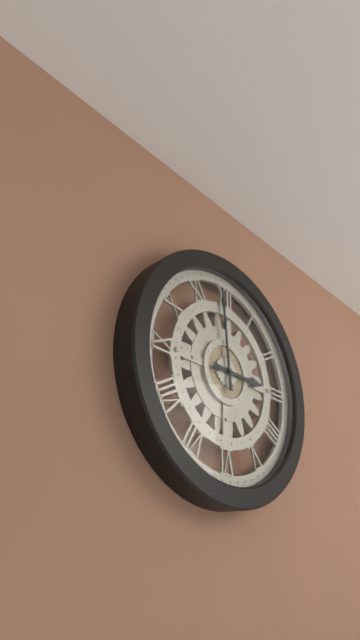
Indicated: **2:59**
